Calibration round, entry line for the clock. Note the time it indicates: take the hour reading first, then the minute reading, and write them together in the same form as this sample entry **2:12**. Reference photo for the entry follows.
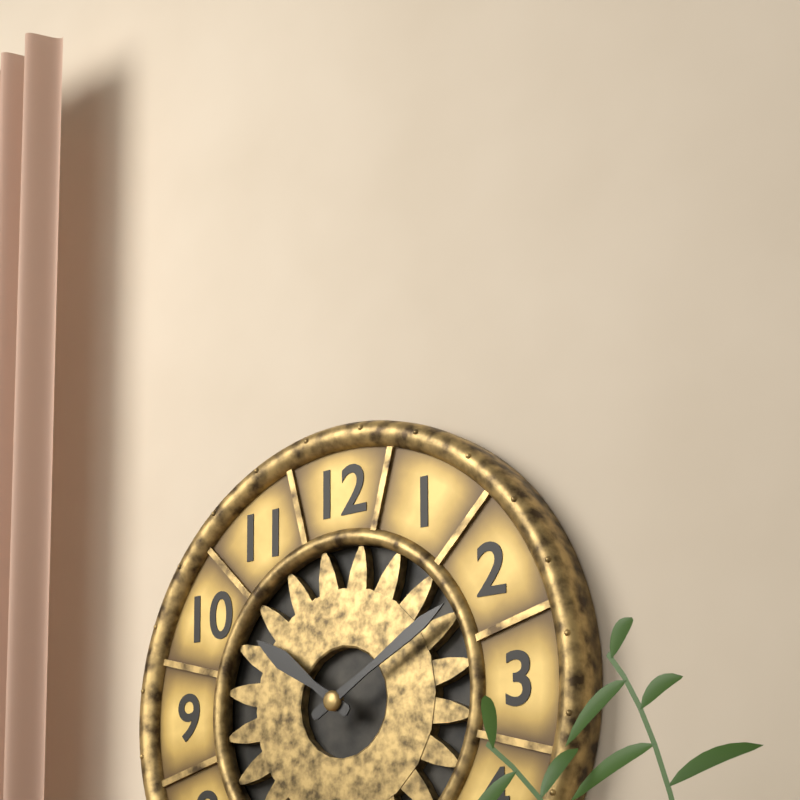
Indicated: **10:10**
